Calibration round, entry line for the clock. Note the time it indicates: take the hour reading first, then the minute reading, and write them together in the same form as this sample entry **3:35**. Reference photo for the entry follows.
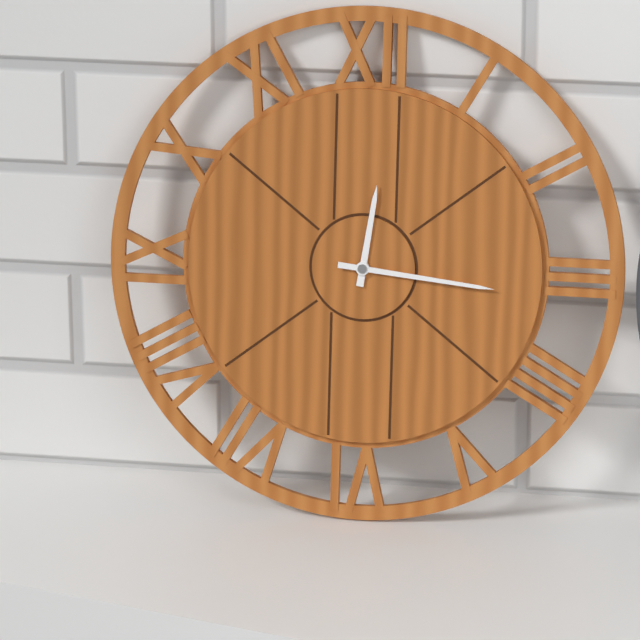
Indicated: **12:16**
